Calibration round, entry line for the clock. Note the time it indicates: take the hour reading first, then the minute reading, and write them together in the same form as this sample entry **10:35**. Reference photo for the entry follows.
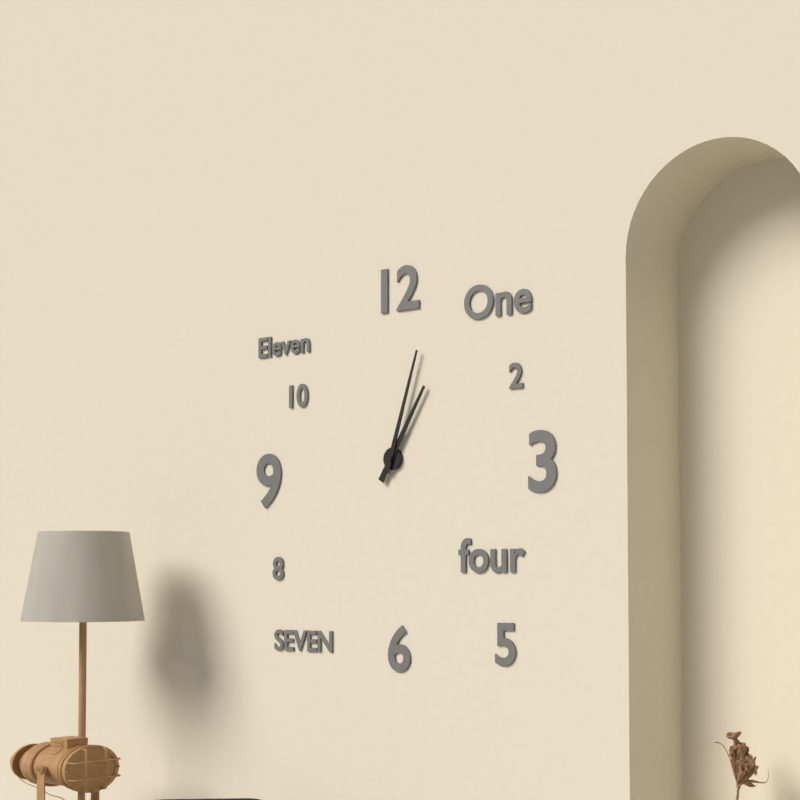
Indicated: **1:03**
